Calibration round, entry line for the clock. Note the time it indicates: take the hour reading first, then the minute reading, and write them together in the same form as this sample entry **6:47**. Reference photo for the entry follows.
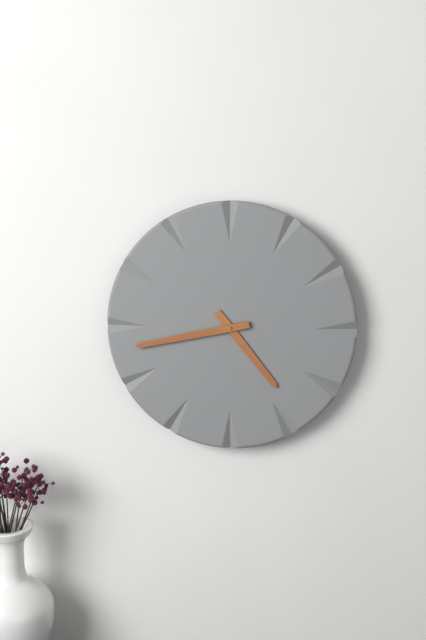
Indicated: **4:43**
